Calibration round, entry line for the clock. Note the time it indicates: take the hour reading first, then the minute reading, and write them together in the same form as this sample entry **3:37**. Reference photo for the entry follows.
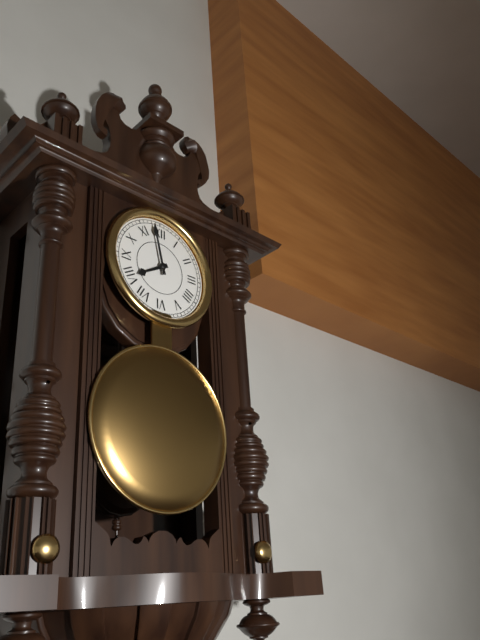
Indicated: **7:58**
